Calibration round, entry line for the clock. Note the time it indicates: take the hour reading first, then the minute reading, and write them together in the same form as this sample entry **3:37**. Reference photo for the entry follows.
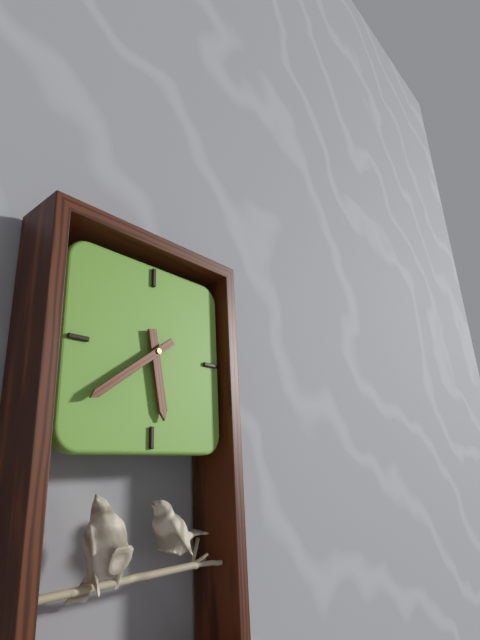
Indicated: **5:39**
